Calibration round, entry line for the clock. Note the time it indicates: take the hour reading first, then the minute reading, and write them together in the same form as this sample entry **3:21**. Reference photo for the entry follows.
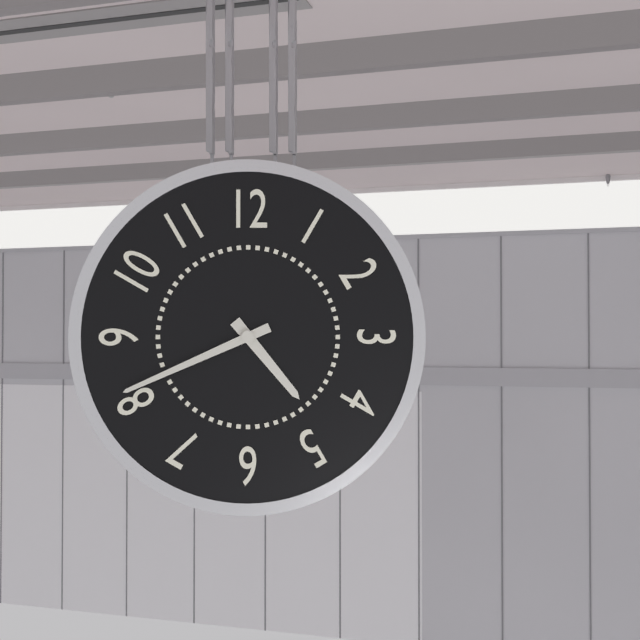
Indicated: **4:41**
